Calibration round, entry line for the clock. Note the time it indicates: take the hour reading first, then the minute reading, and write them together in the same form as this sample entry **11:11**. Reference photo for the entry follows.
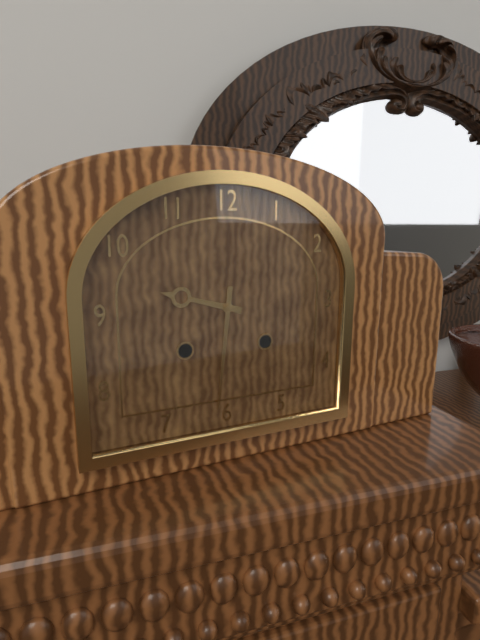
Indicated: **9:31**
